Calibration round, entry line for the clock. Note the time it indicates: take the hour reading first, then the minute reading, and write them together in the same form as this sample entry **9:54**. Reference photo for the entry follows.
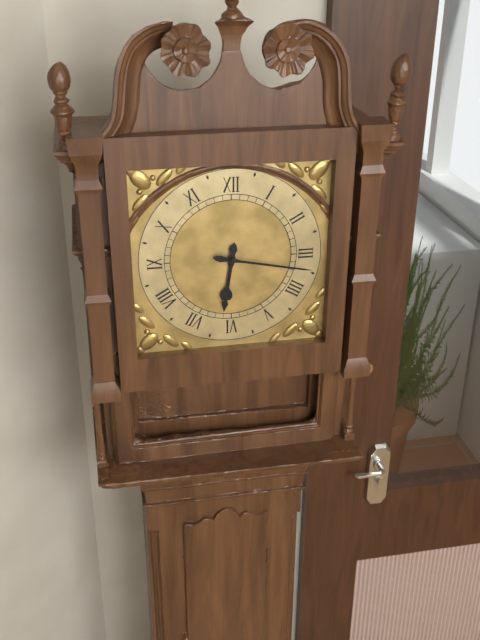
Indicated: **6:17**
